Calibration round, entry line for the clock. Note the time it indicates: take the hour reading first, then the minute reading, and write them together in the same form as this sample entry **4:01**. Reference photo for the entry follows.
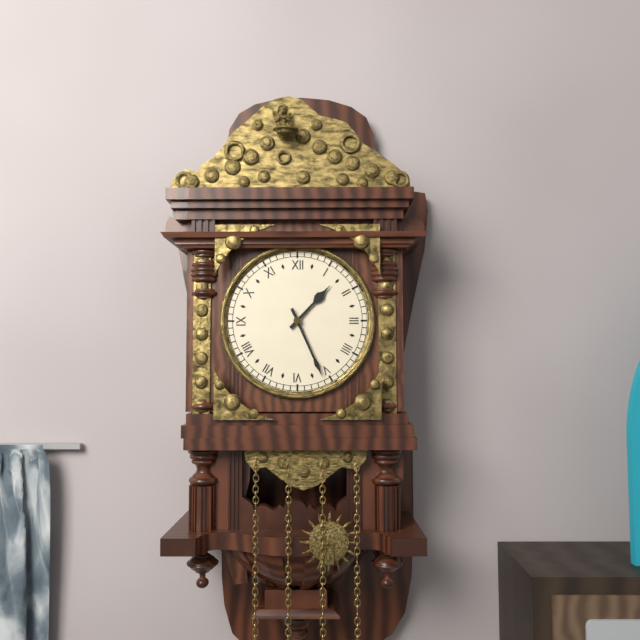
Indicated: **1:26**
